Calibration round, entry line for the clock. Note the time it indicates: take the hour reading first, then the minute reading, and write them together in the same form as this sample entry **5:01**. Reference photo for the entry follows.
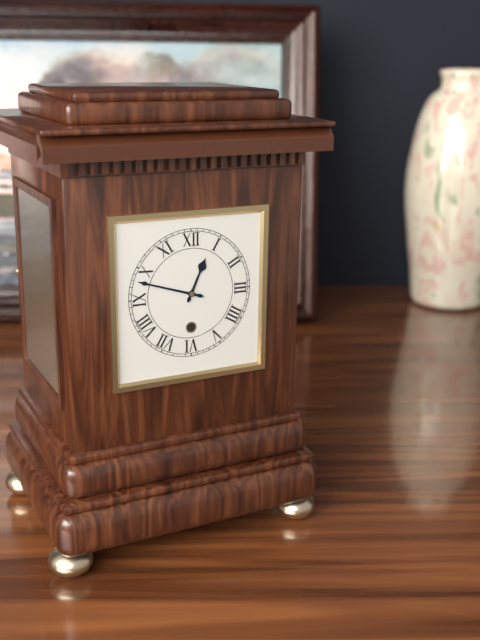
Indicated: **12:48**
